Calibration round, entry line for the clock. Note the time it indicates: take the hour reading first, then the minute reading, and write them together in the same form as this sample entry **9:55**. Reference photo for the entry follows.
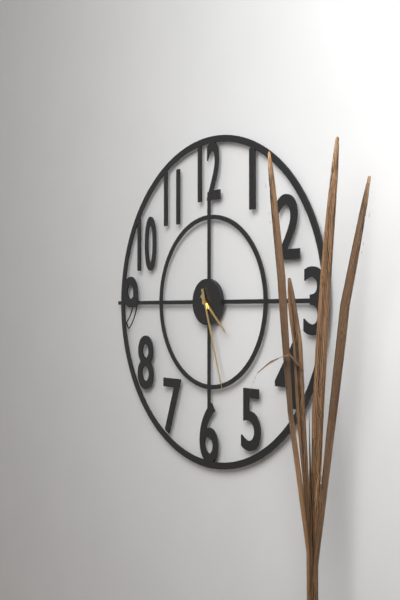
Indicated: **4:27**
